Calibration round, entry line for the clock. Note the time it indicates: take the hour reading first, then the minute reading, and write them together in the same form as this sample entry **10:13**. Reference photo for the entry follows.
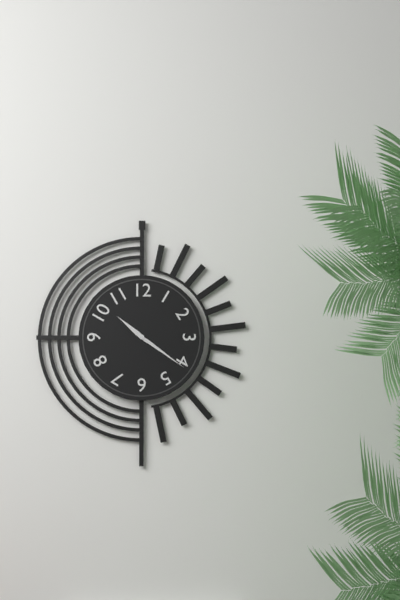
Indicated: **10:21**
